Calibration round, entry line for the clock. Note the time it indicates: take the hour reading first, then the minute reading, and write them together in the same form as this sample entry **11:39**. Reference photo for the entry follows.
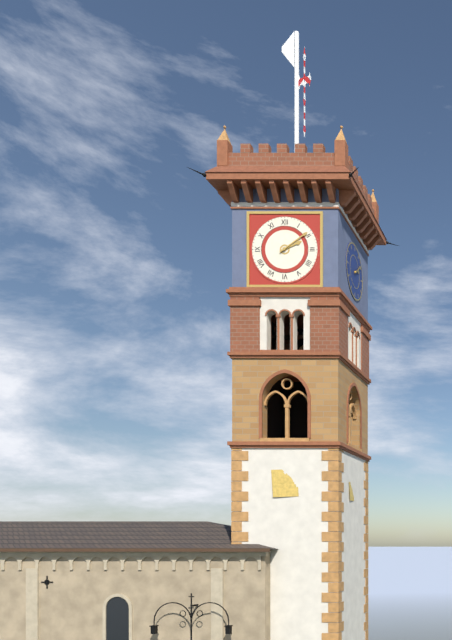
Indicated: **2:09**
